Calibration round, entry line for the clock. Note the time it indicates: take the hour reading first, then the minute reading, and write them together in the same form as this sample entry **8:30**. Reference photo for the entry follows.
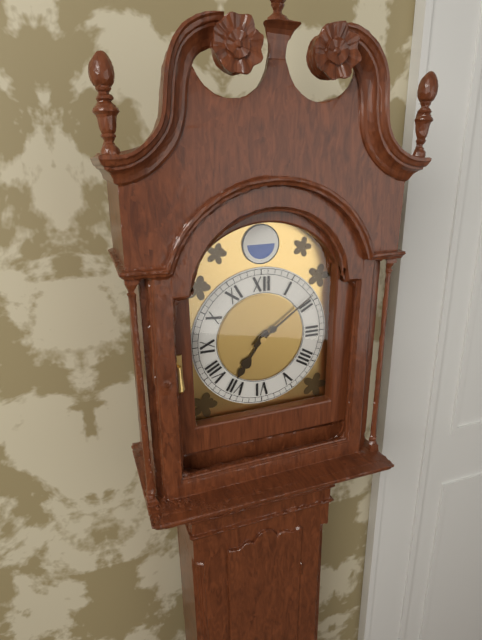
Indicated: **7:09**
